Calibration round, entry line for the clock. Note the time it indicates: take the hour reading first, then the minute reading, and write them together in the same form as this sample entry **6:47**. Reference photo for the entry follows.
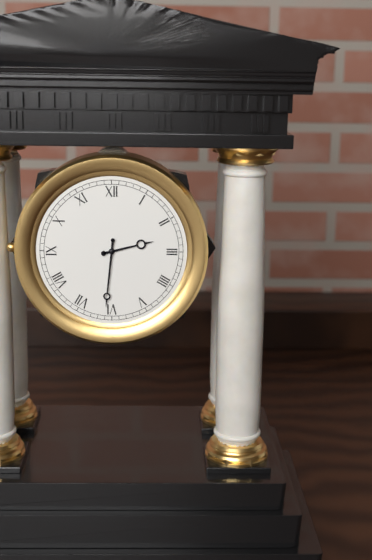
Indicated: **2:31**
